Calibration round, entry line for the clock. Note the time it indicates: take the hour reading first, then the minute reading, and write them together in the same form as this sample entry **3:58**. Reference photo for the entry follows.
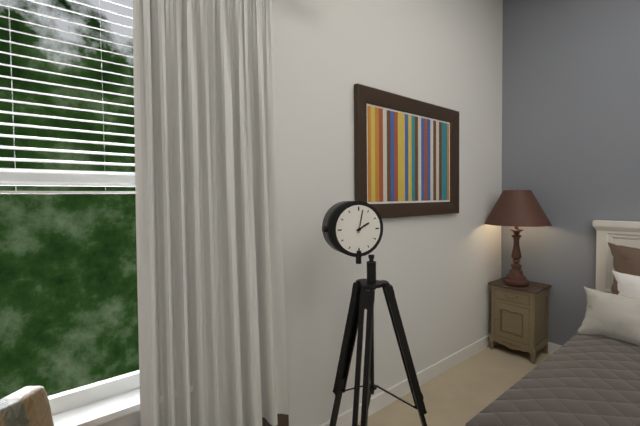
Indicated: **2:02**
